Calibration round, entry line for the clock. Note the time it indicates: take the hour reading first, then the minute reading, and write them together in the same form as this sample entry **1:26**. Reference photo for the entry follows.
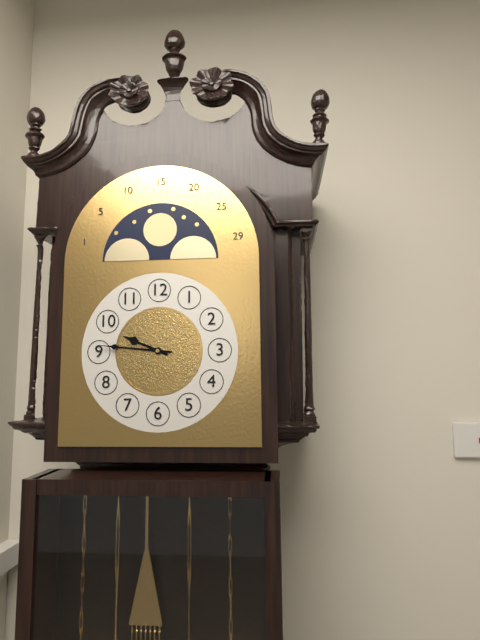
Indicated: **9:46**
